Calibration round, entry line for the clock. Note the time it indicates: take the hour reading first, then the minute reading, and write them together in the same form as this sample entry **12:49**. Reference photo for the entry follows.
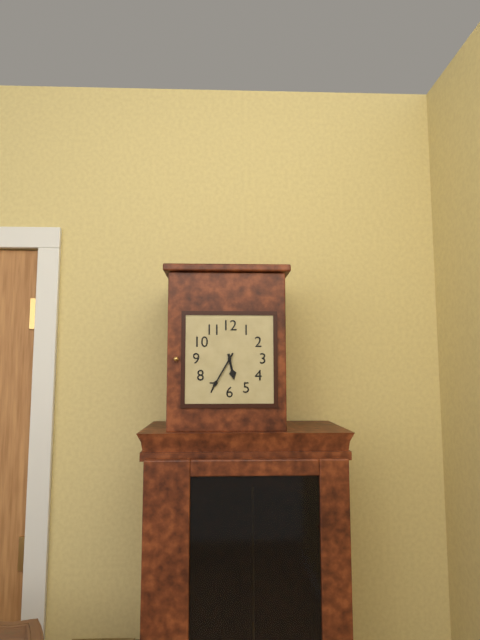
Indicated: **5:35**
